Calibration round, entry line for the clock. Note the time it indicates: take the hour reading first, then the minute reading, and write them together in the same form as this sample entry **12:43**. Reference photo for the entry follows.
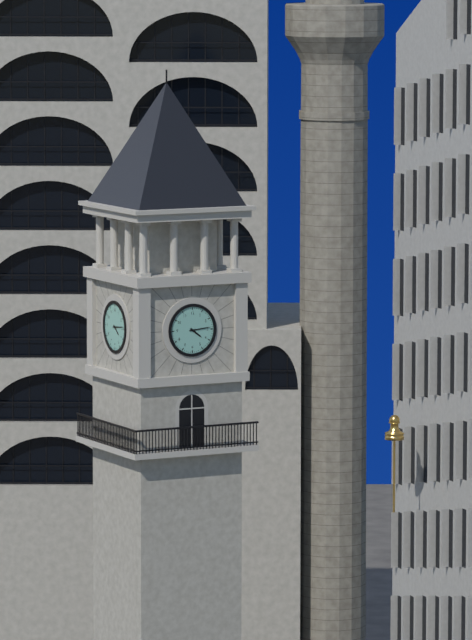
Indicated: **4:14**
